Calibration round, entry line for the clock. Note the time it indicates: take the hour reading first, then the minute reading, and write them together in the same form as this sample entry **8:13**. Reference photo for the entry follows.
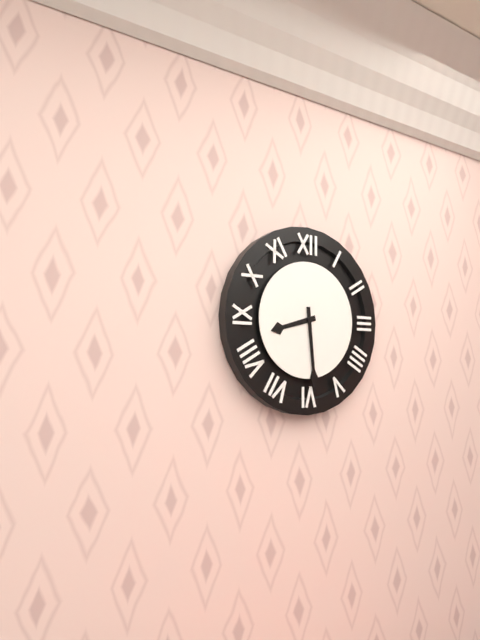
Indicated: **8:29**
